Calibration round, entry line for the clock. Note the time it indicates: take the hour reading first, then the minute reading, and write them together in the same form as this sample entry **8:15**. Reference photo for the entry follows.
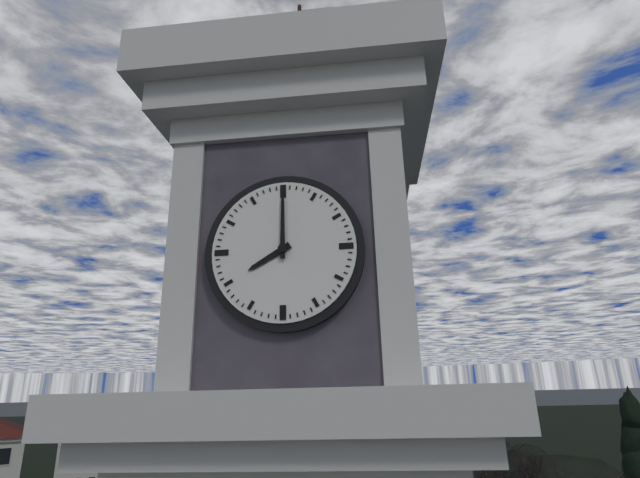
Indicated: **8:00**
